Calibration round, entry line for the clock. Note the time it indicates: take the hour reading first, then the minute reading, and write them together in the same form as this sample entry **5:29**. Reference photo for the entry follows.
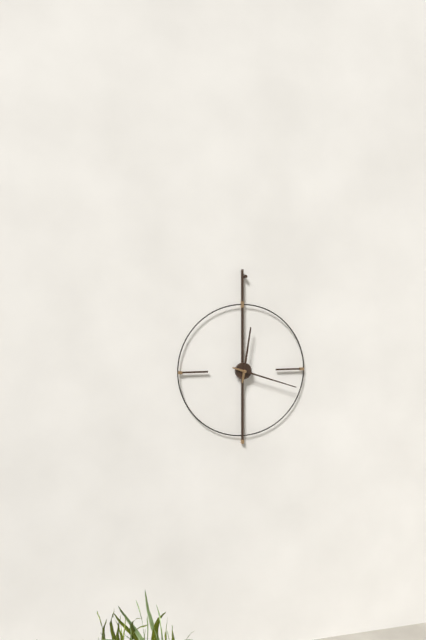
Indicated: **12:18**
